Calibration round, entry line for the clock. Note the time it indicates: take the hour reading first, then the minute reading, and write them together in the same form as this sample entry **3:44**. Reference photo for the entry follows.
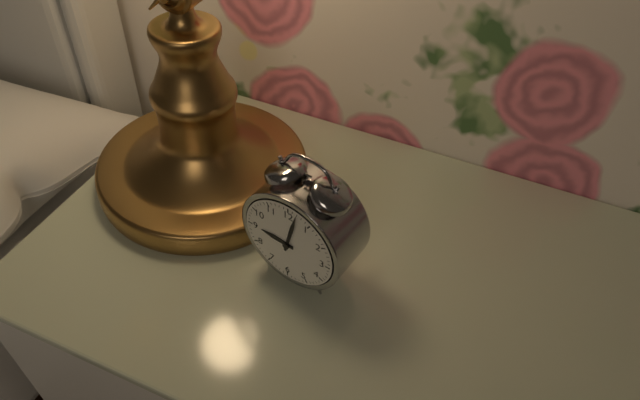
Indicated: **9:02**
